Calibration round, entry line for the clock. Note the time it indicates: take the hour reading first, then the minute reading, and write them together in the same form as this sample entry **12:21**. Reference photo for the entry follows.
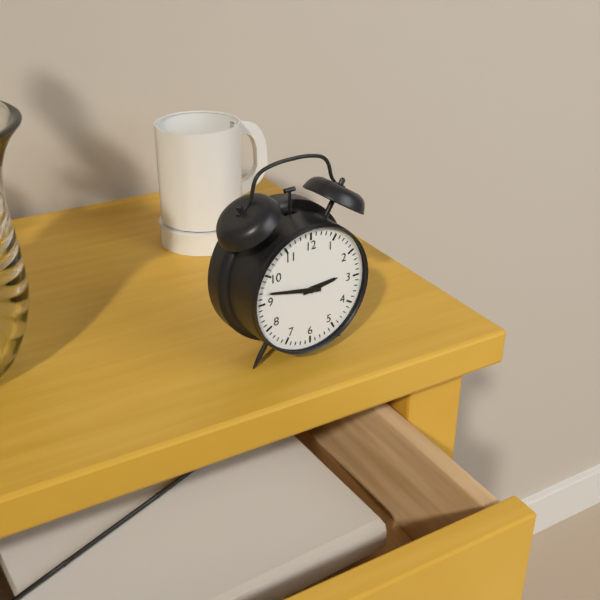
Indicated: **2:47**
